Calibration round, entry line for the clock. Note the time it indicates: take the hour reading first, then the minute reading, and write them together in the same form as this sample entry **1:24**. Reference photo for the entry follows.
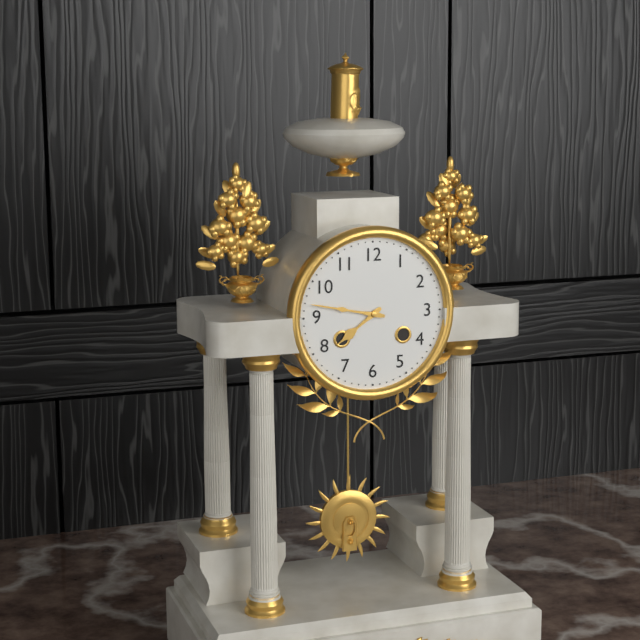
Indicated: **7:47**
